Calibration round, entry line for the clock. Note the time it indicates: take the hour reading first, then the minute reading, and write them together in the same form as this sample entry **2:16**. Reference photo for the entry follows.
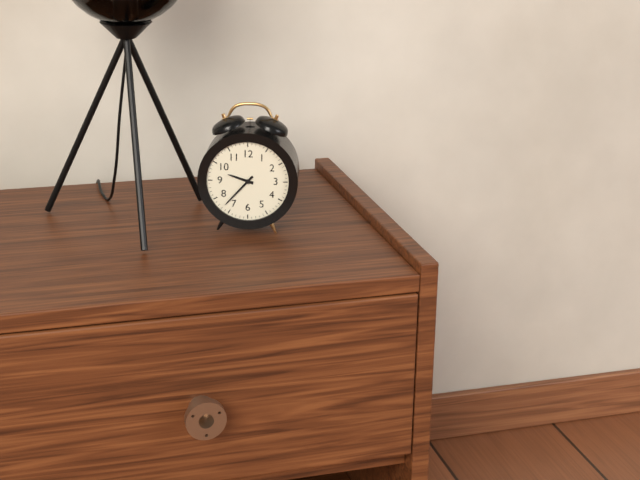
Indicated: **9:37**
